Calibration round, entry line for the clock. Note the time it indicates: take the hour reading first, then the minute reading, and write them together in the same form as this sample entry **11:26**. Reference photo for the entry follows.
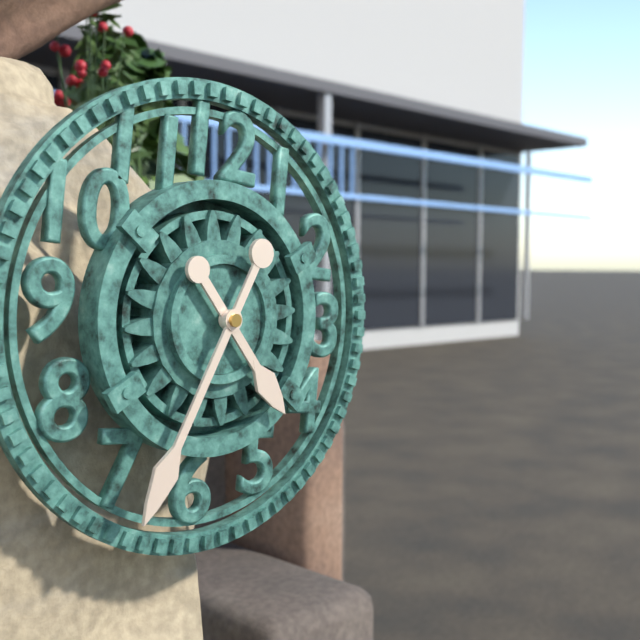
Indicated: **4:34**
